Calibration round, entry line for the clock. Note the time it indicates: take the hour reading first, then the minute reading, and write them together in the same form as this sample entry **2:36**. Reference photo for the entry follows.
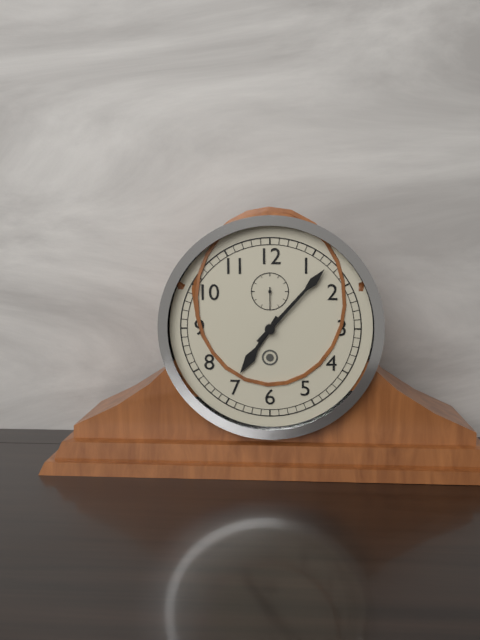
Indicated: **7:07**
